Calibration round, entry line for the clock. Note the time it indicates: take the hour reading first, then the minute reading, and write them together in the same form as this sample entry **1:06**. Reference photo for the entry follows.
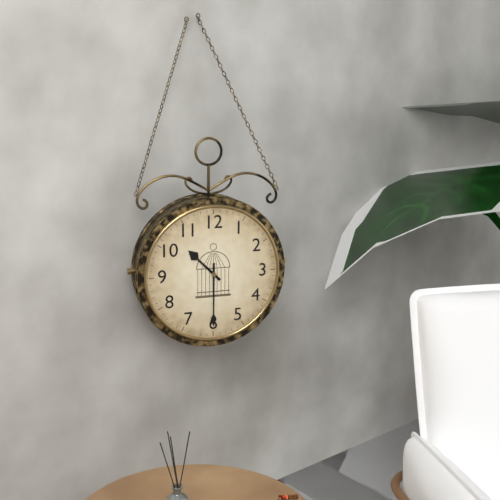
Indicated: **10:30**
